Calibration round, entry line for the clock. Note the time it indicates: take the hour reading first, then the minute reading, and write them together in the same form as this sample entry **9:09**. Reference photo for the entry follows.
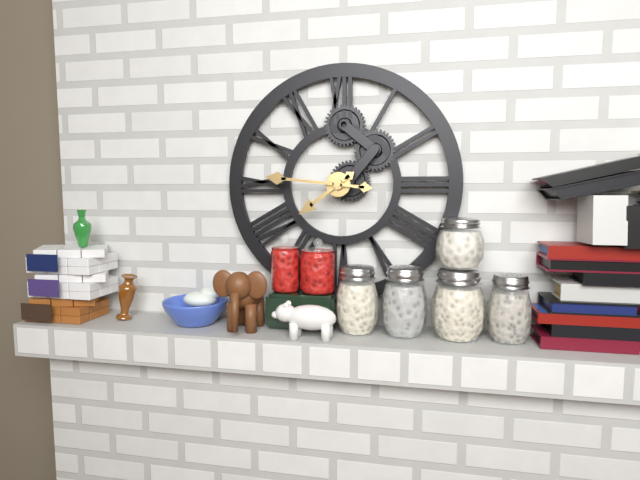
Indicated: **7:46**
